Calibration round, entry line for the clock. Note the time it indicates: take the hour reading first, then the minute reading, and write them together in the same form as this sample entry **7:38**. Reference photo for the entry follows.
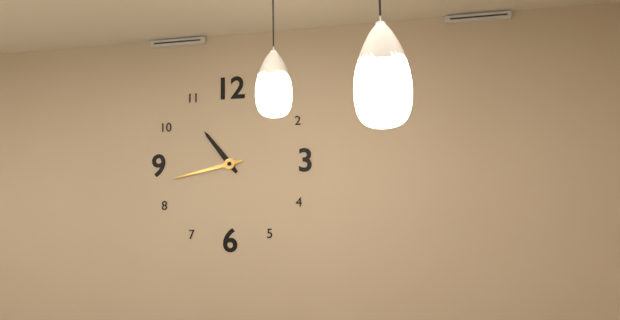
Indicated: **10:43**
